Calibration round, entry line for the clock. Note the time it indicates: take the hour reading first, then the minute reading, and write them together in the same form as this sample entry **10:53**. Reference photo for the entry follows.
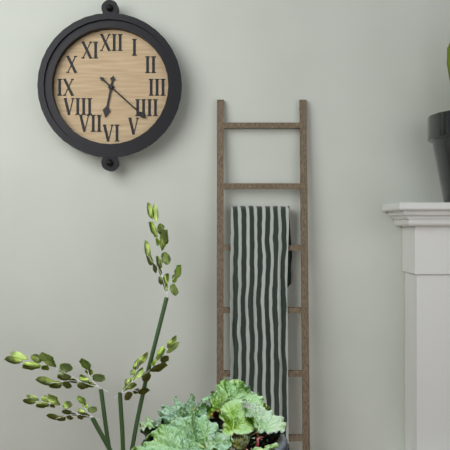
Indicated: **6:22**
